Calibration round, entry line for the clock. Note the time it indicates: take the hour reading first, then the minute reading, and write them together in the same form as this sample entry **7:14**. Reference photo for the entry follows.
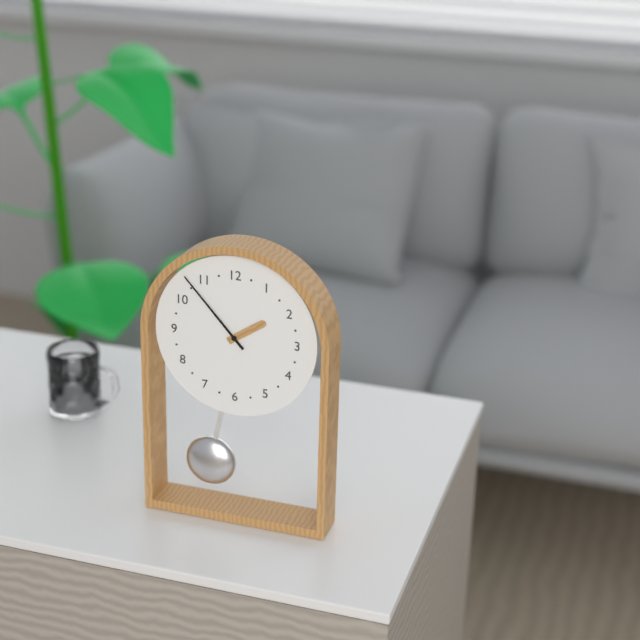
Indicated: **1:53**
